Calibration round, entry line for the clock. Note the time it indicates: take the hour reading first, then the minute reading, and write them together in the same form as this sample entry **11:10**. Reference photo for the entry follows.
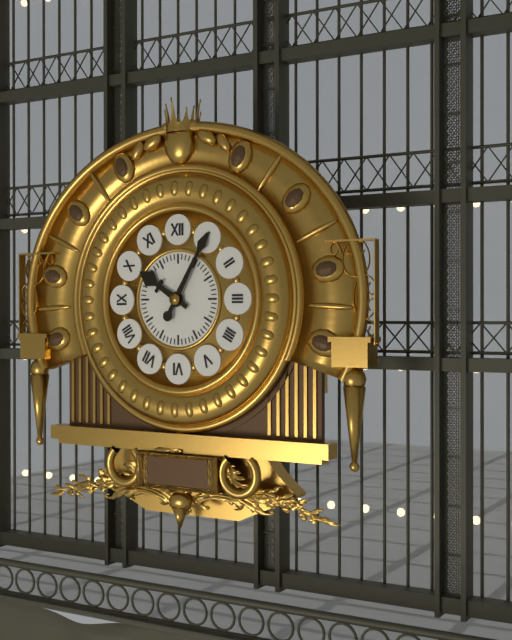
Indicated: **10:05**
